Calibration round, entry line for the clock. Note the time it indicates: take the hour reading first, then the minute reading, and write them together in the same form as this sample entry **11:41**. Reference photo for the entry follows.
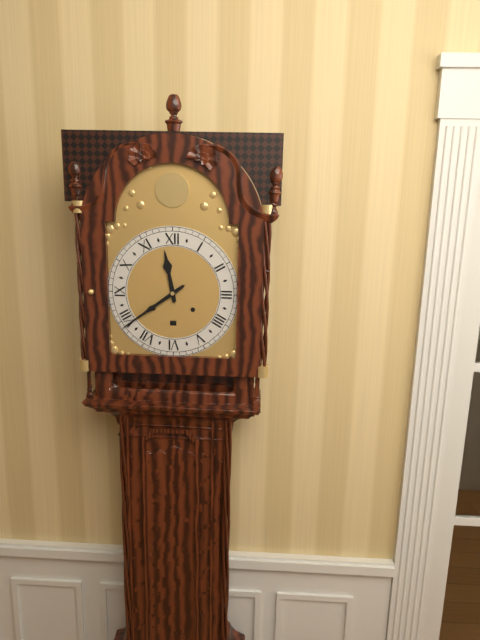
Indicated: **11:39**
